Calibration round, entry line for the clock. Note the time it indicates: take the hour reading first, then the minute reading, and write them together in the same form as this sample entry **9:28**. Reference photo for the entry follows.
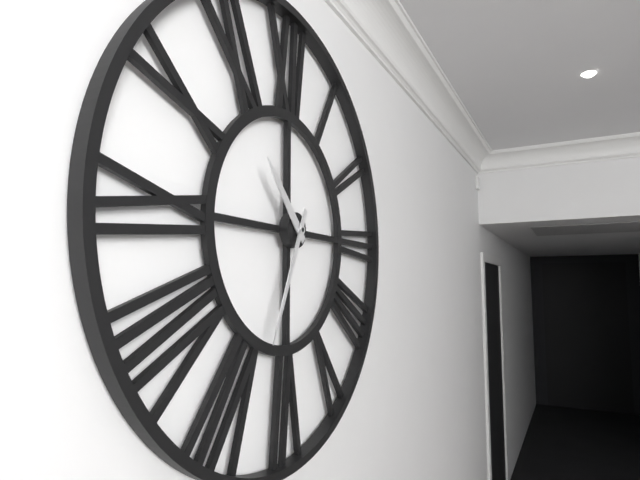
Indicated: **10:34**
